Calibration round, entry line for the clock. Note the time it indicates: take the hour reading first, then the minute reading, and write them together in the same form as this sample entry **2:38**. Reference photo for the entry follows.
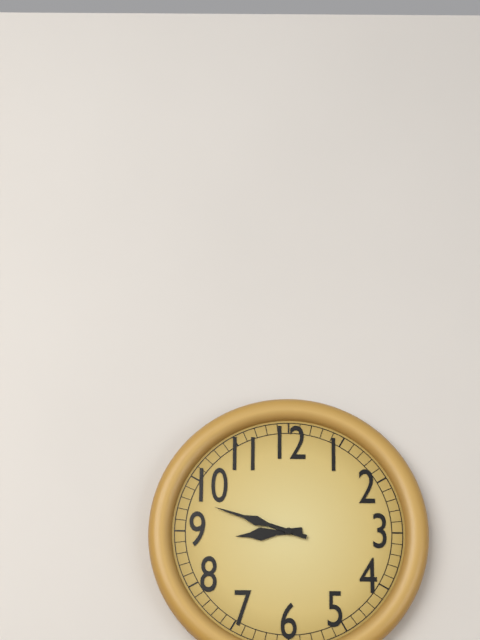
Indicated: **8:48**
